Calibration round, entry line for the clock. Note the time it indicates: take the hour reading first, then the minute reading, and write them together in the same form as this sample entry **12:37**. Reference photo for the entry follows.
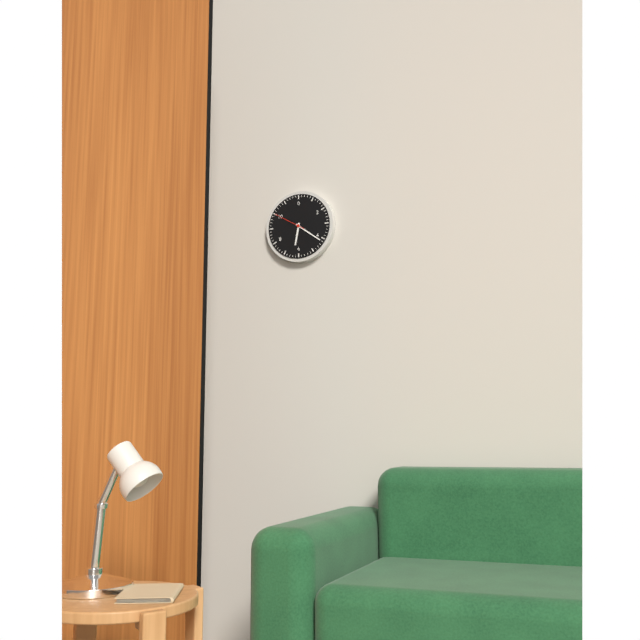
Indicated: **6:21**
